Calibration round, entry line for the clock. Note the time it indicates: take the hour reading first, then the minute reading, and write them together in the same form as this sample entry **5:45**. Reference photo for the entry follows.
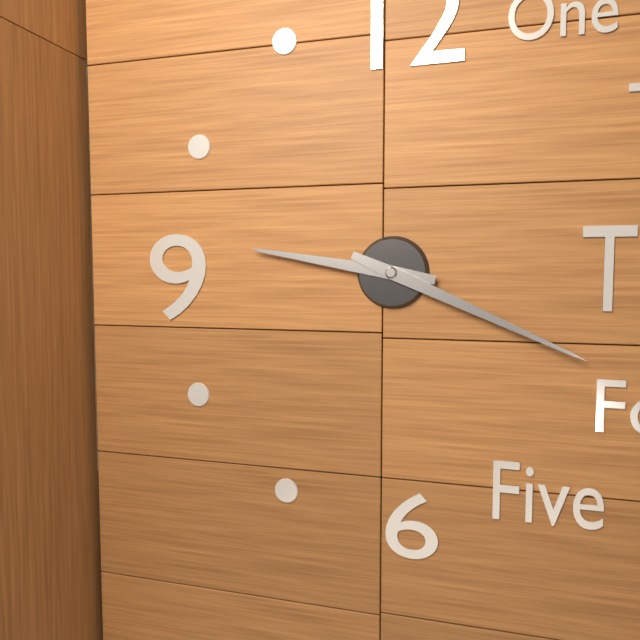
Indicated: **9:19**
